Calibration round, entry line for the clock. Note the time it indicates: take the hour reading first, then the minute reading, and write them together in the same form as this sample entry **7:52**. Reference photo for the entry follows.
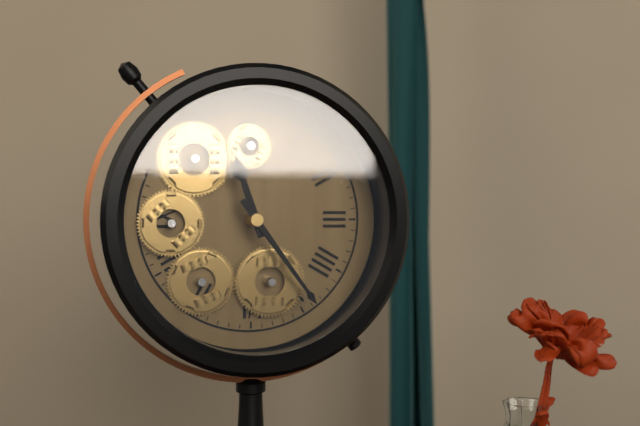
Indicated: **11:24**
